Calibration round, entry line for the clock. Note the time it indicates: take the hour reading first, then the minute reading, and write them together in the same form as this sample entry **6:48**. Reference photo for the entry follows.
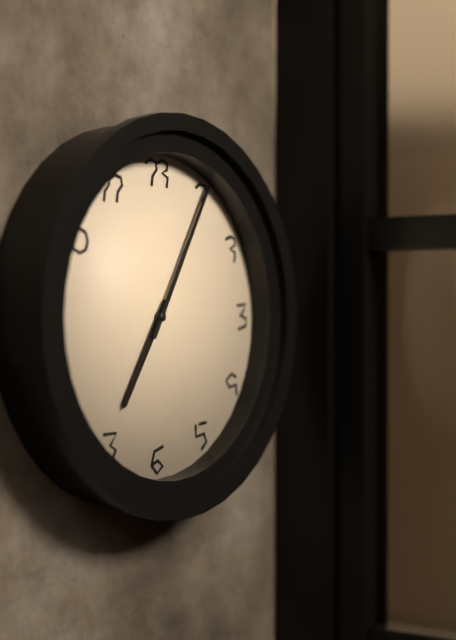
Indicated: **7:05**
